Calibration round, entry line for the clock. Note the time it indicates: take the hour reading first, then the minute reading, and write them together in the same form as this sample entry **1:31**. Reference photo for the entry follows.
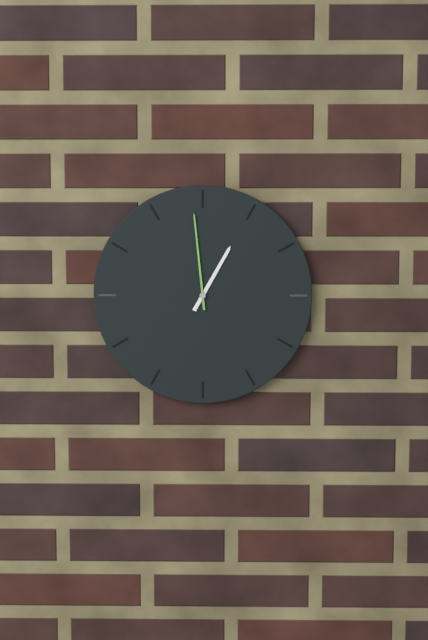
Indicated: **12:59**
